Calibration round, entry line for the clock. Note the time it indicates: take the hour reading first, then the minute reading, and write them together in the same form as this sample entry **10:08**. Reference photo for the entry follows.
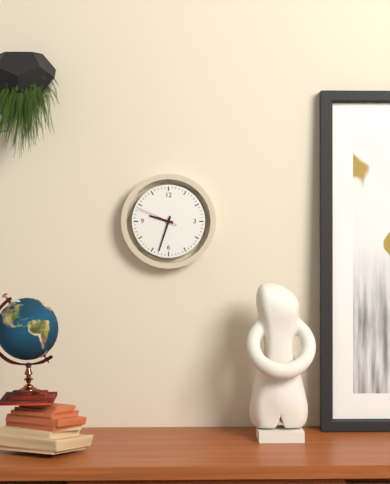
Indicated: **9:33**
